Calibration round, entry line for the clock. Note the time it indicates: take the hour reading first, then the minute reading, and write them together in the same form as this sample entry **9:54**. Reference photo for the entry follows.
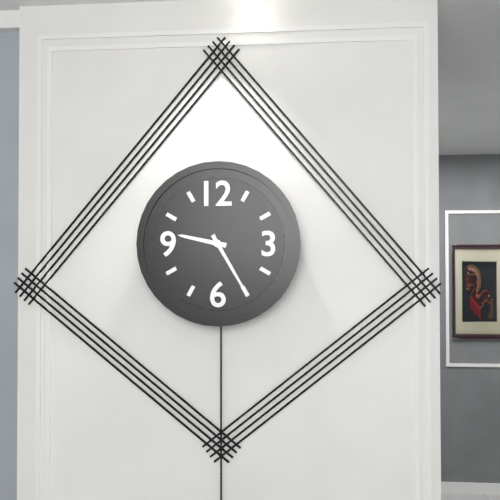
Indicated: **9:25**
